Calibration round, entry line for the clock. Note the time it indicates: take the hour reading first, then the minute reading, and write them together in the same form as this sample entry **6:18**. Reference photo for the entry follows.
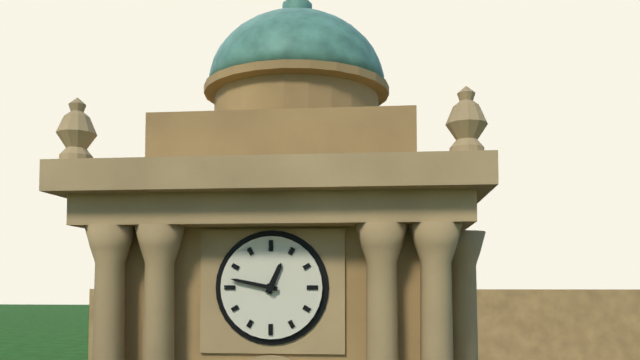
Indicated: **12:47**
